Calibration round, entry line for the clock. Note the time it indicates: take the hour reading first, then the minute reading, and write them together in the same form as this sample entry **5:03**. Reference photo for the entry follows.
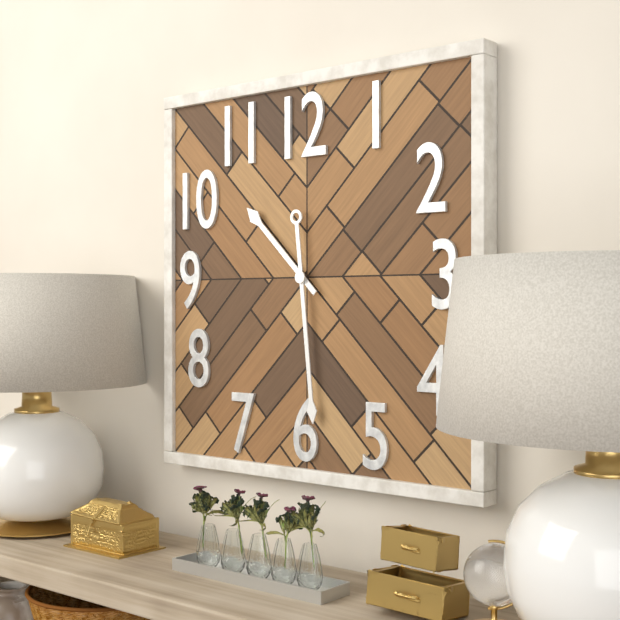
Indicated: **10:29**
